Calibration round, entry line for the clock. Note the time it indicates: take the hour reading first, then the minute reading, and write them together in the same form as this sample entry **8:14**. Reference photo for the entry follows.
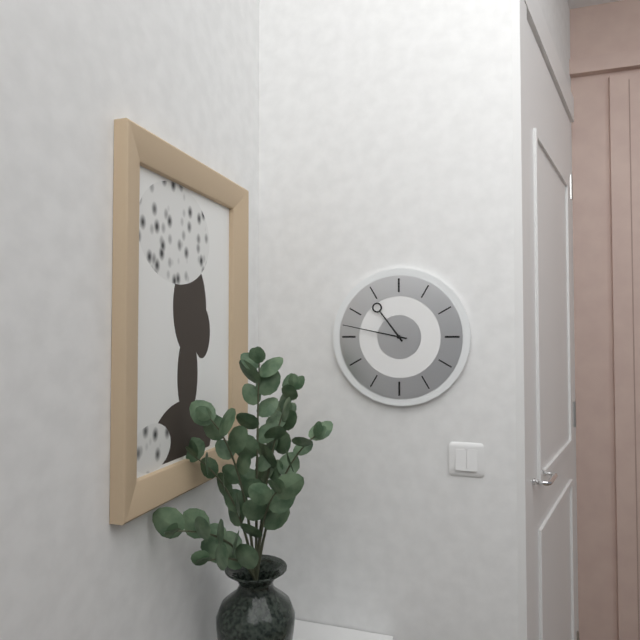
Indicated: **10:47**
